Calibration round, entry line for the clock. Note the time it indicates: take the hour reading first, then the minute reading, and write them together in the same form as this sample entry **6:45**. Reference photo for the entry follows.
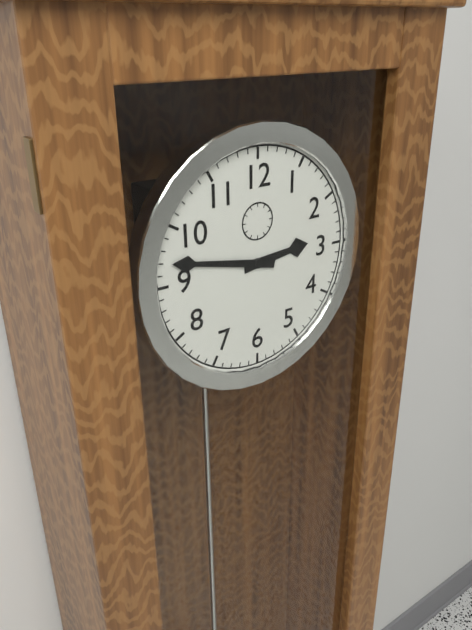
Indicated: **2:47**
